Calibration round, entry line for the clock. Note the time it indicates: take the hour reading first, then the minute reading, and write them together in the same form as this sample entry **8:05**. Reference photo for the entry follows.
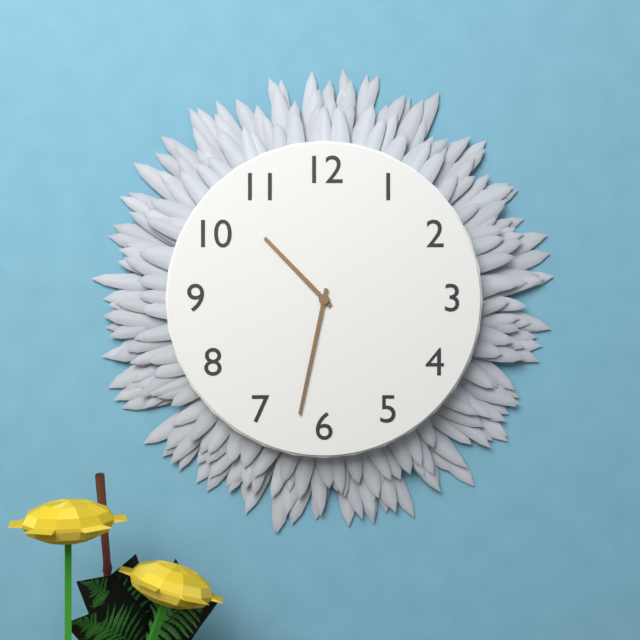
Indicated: **10:32**
